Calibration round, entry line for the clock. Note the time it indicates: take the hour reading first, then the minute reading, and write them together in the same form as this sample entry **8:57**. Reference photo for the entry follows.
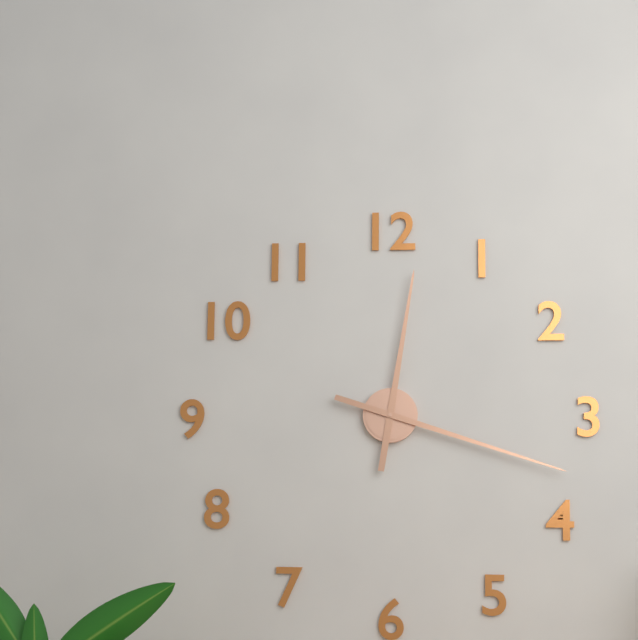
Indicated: **12:18**
